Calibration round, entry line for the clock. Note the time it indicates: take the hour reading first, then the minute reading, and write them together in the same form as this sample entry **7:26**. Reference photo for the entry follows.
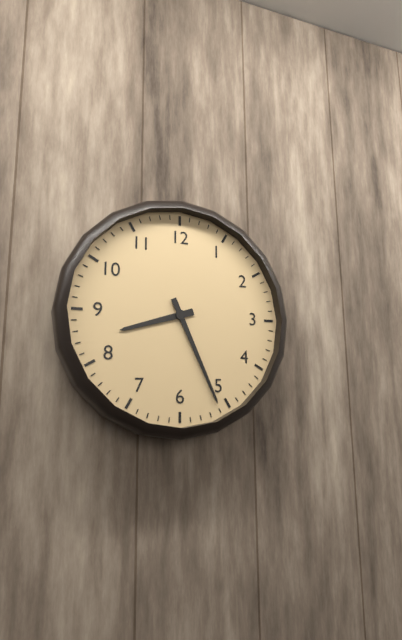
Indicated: **8:26**
